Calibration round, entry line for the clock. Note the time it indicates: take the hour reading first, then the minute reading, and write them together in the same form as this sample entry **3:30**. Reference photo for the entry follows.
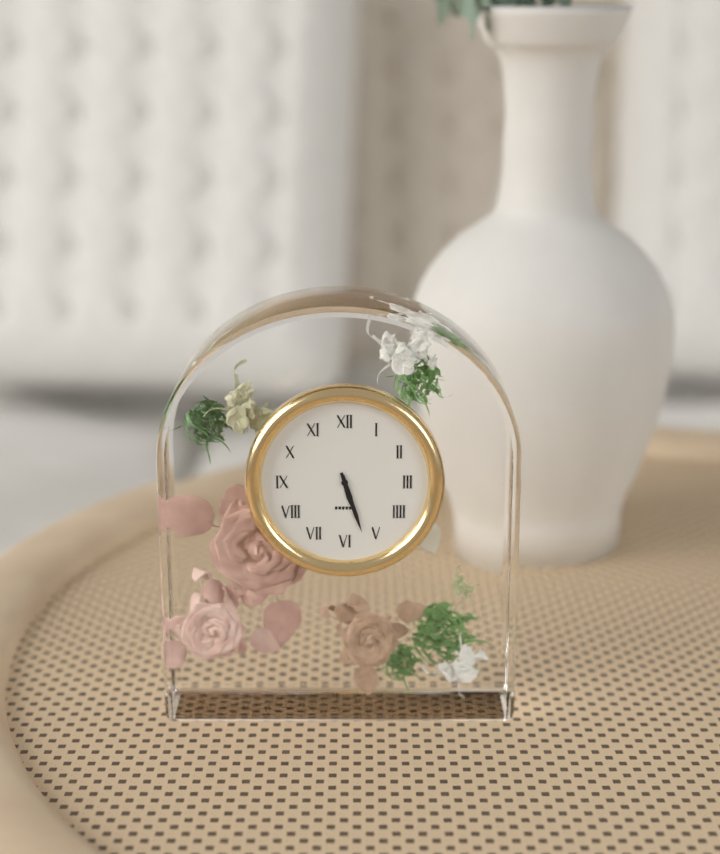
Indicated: **5:27**
